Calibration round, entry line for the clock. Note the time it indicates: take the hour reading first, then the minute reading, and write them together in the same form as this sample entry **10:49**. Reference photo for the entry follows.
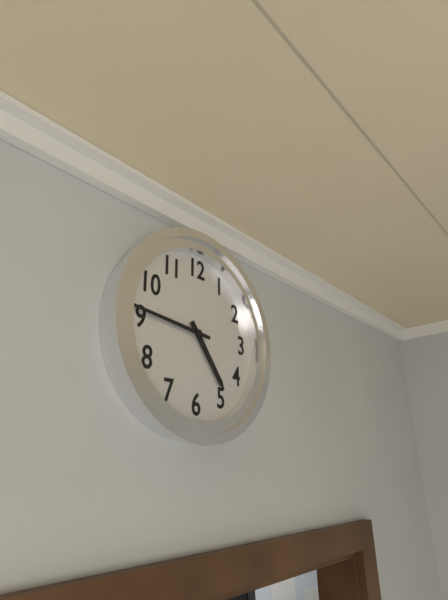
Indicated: **4:46**
